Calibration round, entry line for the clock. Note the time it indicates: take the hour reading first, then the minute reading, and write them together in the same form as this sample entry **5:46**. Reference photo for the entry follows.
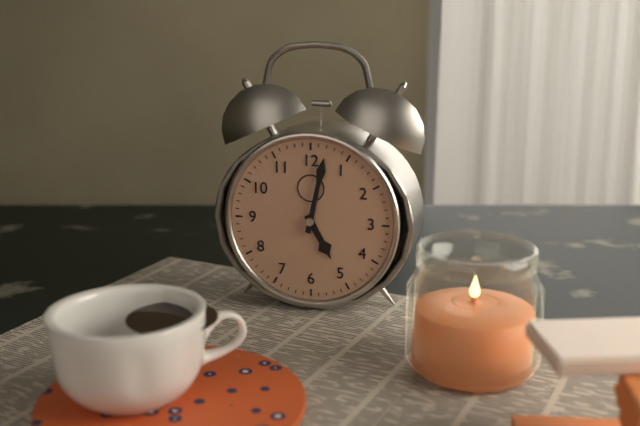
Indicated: **5:02**
